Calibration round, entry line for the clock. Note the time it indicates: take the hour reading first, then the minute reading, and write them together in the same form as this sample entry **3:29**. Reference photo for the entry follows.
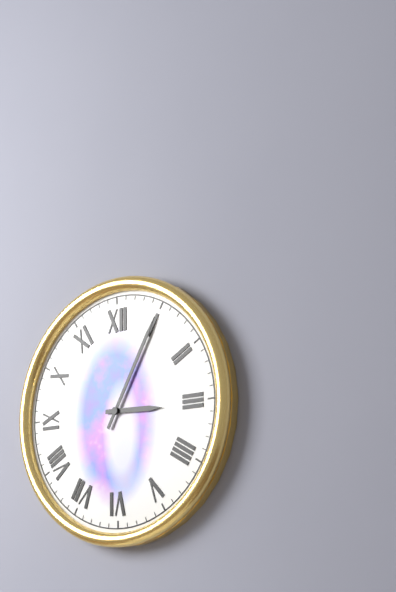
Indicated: **3:05**
